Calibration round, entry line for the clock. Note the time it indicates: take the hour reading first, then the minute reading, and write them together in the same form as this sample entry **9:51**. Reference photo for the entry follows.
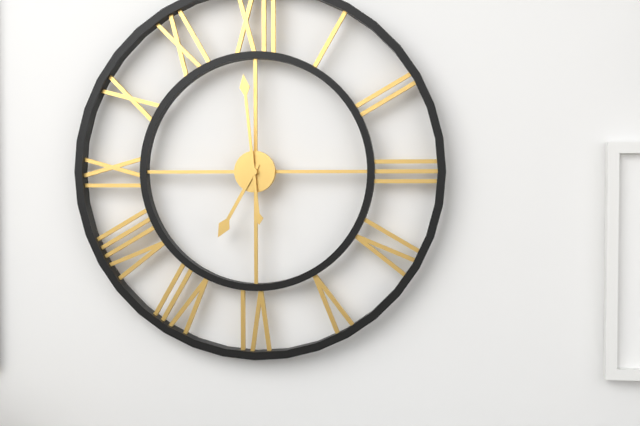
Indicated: **6:59**
